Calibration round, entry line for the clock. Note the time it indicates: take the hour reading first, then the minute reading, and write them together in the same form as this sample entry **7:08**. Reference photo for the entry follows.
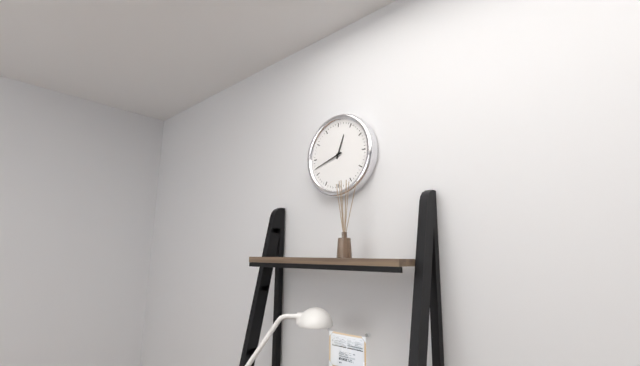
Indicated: **12:42**
